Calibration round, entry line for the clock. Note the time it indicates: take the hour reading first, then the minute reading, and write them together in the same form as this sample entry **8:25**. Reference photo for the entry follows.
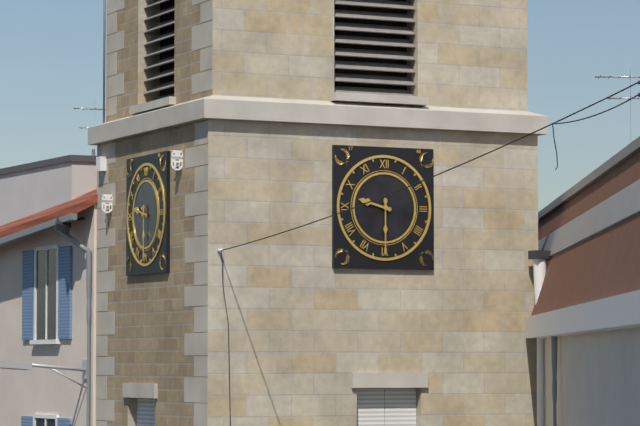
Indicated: **9:30**
